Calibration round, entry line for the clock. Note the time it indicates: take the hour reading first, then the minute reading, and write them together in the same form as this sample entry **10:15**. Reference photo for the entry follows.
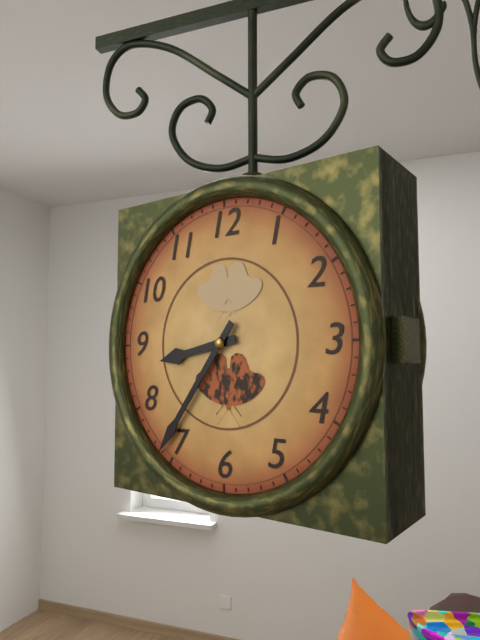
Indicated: **8:36**
